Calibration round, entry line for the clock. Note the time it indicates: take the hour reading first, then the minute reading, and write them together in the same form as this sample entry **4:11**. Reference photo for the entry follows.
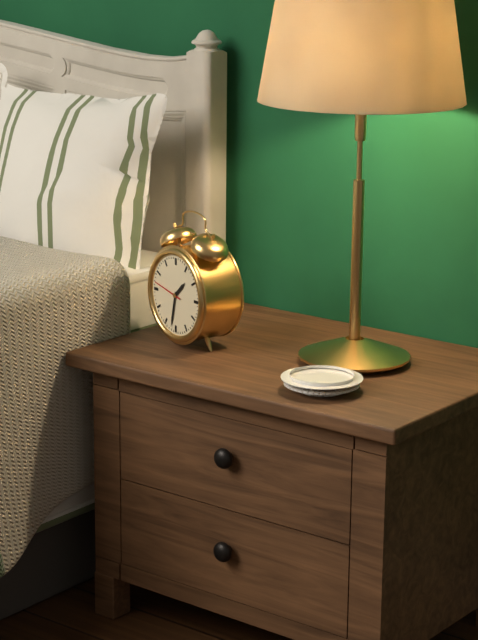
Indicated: **1:32**
